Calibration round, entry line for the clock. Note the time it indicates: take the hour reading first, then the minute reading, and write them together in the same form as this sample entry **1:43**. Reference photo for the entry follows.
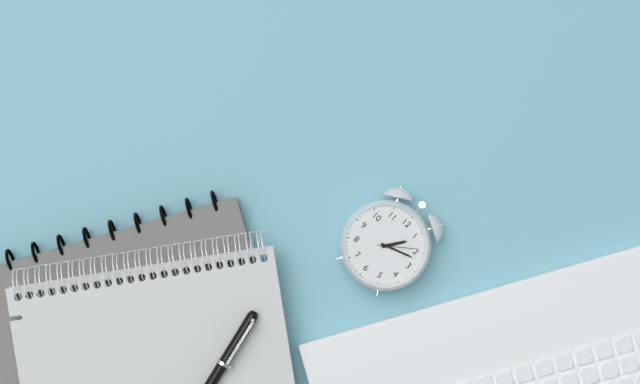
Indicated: **1:12**
